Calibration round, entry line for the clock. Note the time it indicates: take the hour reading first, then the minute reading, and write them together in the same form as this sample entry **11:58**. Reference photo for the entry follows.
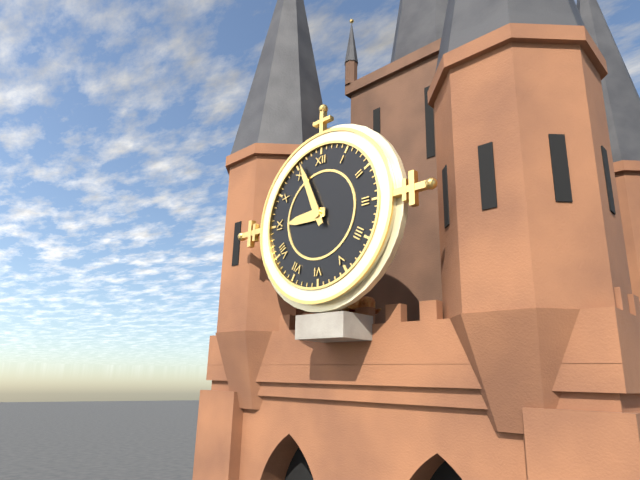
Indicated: **8:56**
